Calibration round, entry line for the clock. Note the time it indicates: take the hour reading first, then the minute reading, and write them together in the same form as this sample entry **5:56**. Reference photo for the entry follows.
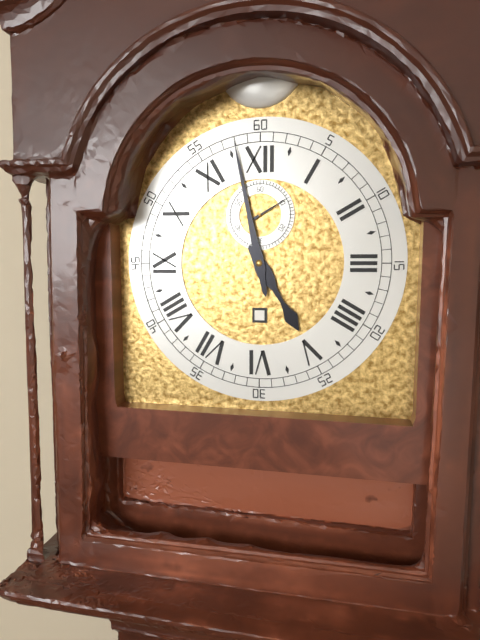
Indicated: **4:58**
